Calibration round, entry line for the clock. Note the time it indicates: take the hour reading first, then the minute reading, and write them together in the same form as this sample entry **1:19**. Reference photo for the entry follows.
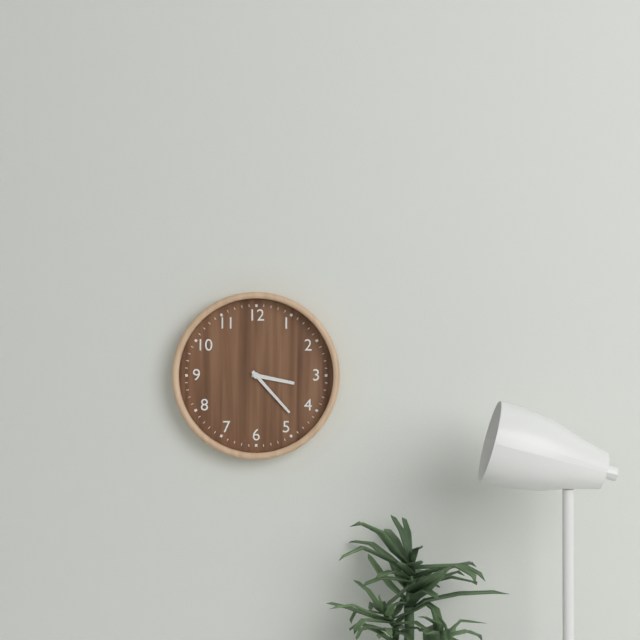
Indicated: **3:23**
